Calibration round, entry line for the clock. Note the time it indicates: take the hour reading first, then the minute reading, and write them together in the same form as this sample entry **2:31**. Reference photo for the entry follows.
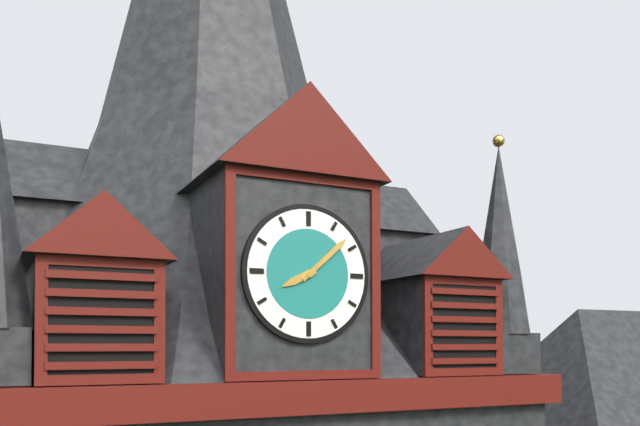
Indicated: **8:08**
